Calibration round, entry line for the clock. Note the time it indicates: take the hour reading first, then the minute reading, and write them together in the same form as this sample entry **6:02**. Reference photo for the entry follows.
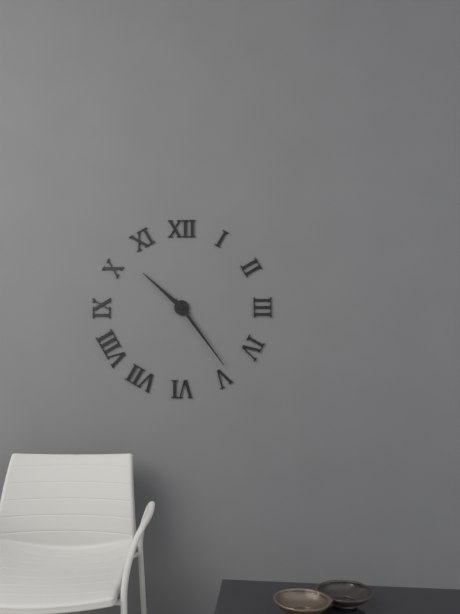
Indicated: **10:24**
